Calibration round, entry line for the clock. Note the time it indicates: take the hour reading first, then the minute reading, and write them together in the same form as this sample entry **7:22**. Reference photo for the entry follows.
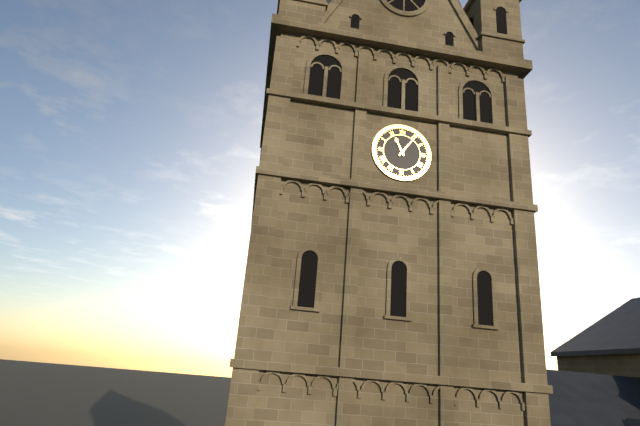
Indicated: **11:06**
